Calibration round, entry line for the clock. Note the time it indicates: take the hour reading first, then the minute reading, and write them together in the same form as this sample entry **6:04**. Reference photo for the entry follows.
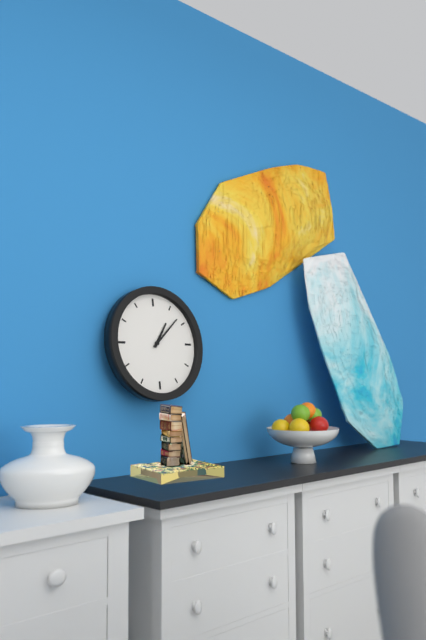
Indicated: **1:08**
